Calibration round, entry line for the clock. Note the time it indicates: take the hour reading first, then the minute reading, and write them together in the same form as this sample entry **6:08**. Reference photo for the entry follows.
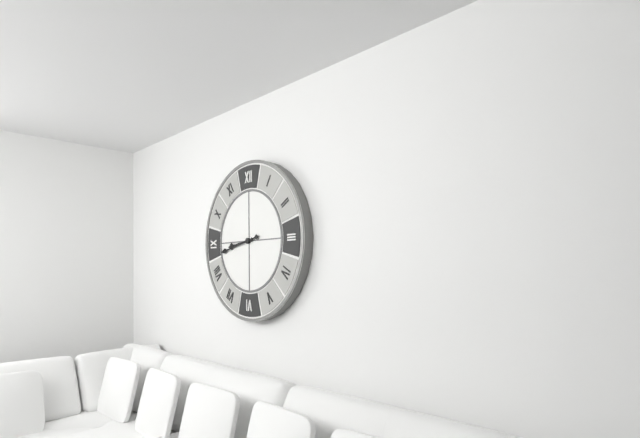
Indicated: **8:43**
